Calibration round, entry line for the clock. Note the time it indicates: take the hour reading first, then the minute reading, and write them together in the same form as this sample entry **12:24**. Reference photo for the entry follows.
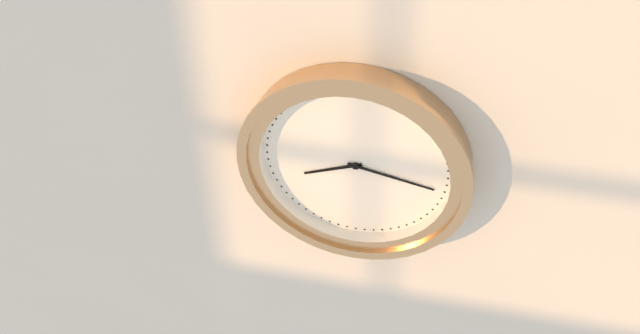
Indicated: **8:17**
